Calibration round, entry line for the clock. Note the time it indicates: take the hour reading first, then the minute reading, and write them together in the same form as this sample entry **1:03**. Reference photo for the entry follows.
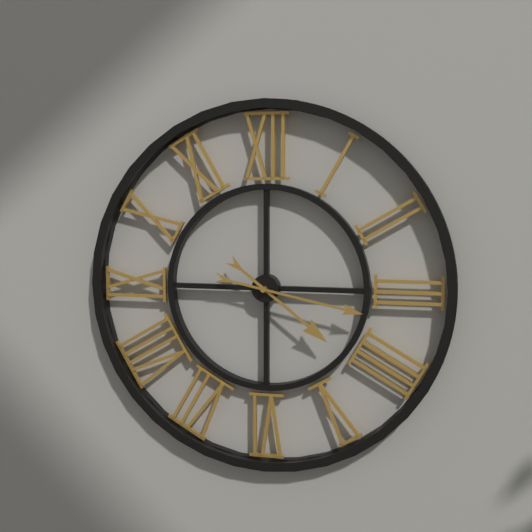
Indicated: **4:17**
